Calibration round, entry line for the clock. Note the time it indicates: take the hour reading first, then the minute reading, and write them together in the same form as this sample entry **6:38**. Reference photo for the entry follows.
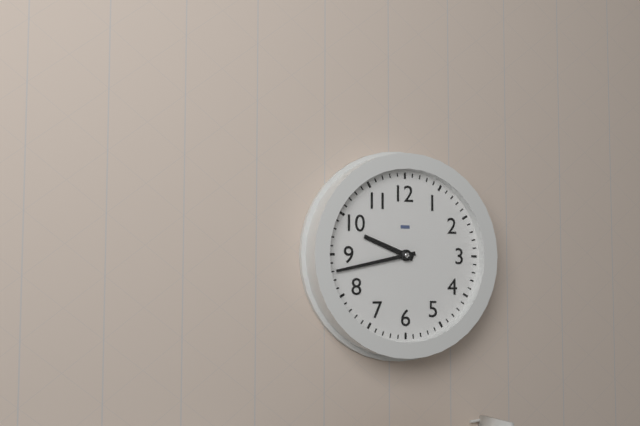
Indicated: **9:43**
